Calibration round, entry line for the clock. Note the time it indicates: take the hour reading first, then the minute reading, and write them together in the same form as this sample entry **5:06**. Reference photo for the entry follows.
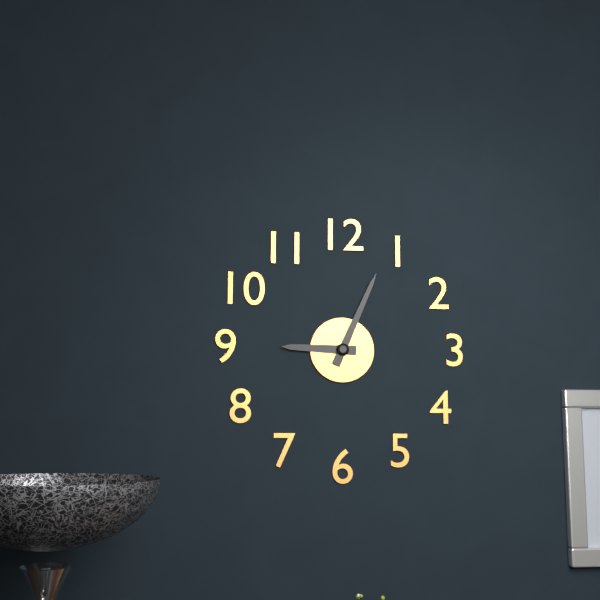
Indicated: **9:04**
